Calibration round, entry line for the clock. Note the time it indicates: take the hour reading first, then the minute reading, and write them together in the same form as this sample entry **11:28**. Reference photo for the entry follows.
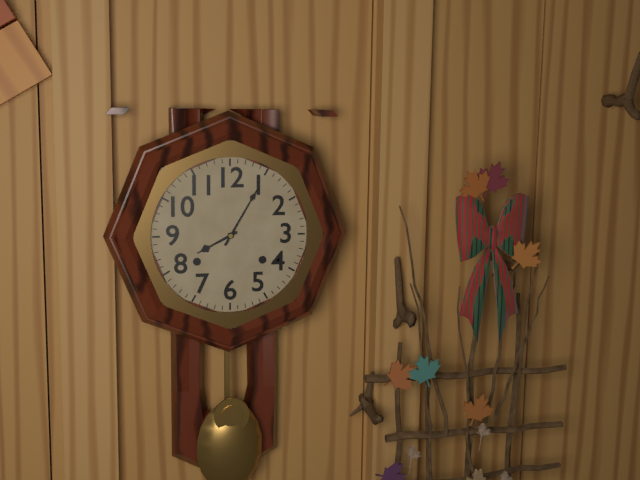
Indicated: **8:05**
